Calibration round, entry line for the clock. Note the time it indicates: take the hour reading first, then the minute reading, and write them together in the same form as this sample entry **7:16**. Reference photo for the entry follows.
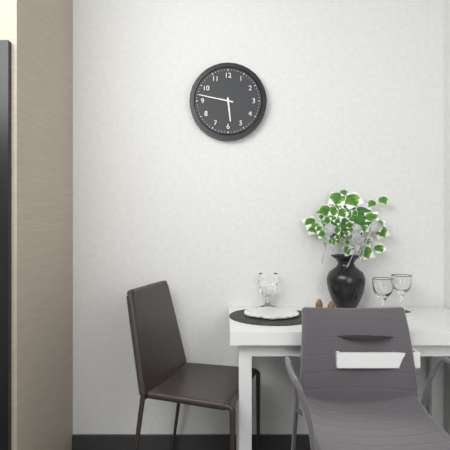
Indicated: **5:47**
